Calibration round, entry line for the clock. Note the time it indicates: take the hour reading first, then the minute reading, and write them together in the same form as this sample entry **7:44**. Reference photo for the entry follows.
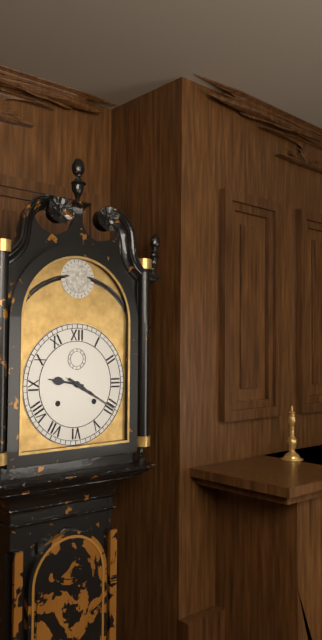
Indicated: **9:20**
